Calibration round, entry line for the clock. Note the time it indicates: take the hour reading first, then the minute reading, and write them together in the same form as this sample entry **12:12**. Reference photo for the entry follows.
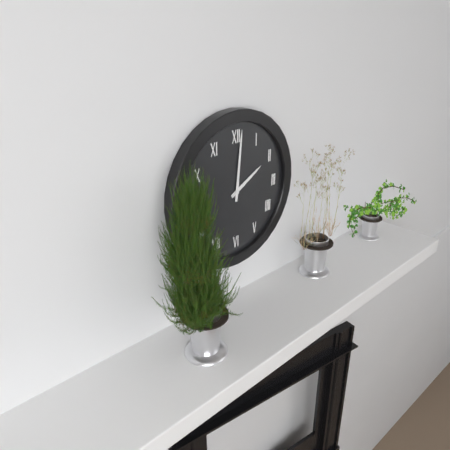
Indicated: **2:01**
